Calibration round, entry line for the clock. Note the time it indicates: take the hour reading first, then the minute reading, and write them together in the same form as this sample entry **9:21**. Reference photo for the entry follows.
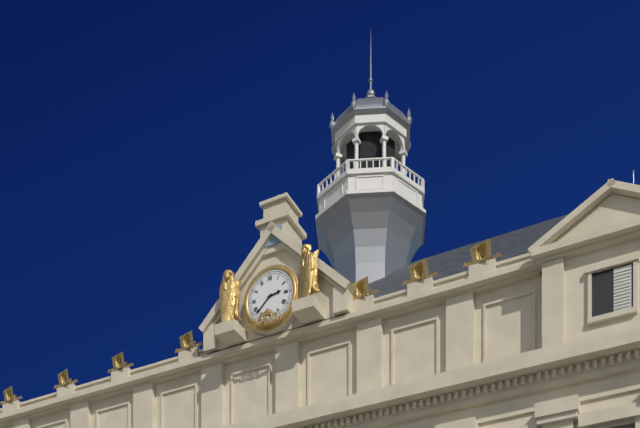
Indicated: **2:38**
